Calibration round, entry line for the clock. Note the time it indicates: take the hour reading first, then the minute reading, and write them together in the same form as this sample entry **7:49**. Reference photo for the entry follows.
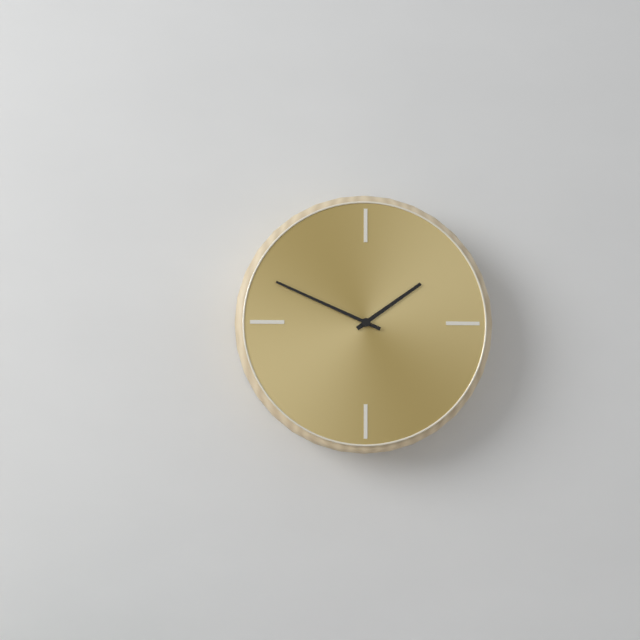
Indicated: **1:49**
